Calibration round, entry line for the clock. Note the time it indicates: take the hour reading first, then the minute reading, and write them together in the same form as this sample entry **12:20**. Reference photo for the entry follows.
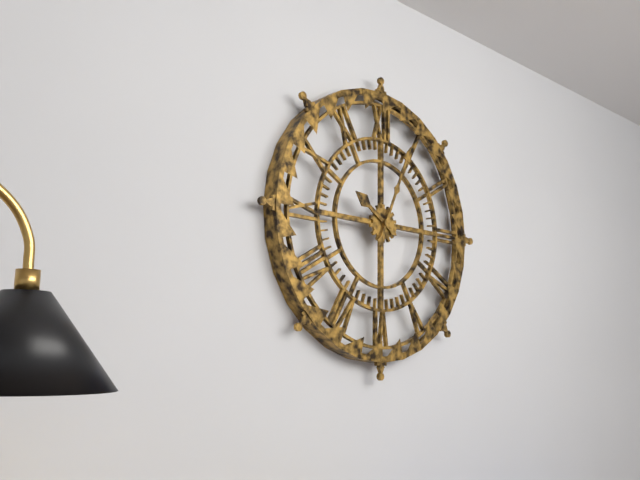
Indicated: **10:04**
